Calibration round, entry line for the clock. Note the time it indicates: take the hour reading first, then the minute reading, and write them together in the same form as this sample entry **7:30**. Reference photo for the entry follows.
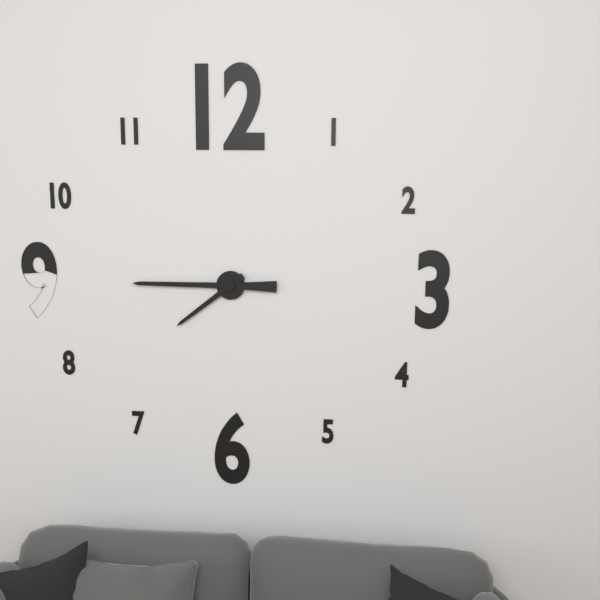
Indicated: **7:45**
